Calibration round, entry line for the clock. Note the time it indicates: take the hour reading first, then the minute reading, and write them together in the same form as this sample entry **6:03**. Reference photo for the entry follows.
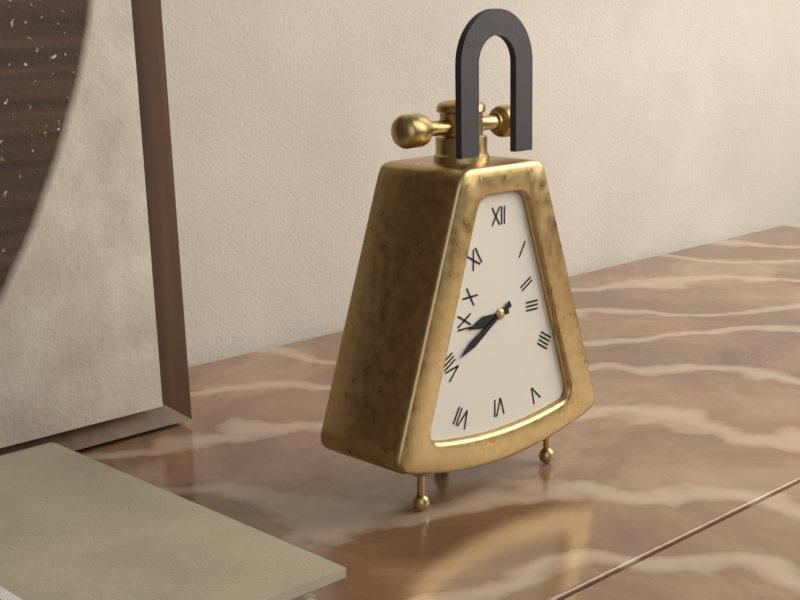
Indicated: **8:40**
